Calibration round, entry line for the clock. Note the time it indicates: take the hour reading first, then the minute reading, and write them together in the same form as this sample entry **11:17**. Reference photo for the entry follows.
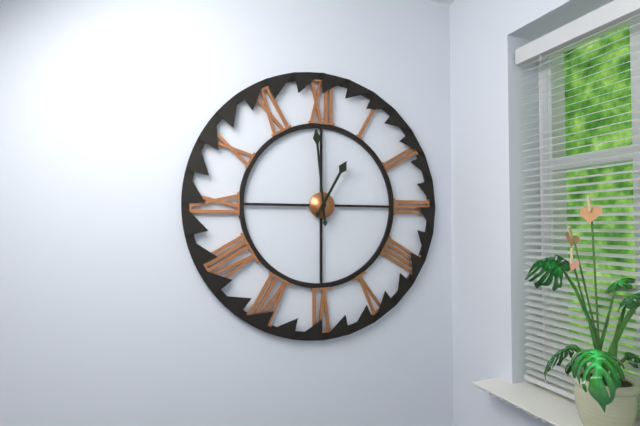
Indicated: **12:59**
